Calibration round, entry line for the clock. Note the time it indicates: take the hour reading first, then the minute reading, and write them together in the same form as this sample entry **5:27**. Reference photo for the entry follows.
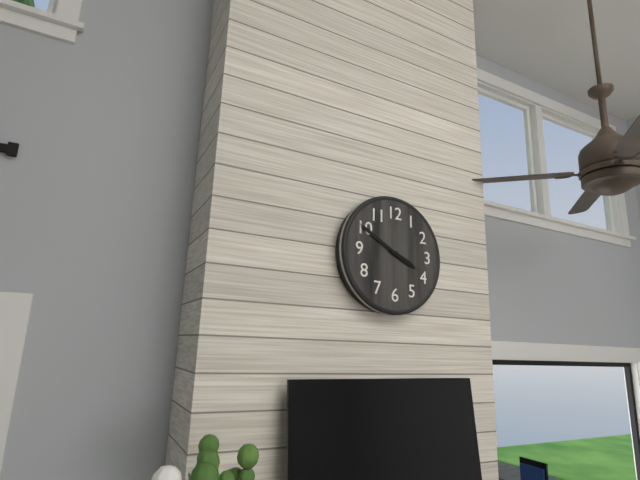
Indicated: **3:50**
